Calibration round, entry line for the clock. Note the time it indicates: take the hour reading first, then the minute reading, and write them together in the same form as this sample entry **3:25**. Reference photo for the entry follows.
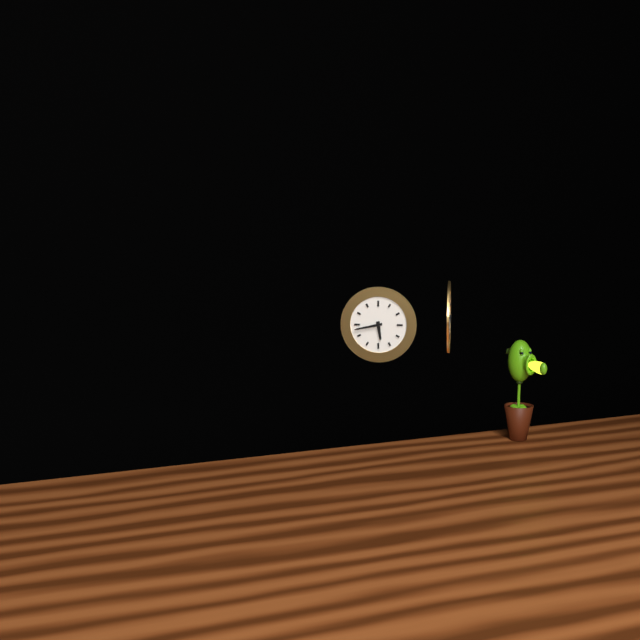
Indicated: **5:43**
